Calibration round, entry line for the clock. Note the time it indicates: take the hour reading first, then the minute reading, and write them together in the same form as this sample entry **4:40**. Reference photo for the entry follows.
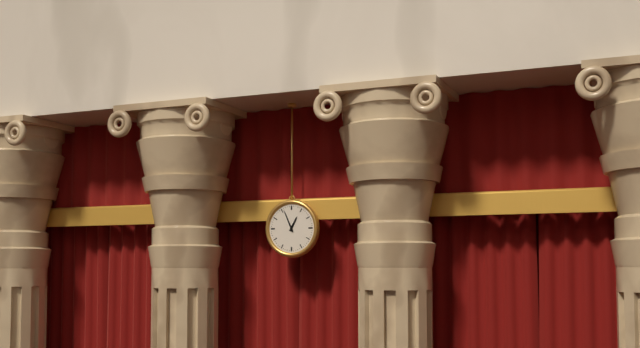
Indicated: **12:56**
